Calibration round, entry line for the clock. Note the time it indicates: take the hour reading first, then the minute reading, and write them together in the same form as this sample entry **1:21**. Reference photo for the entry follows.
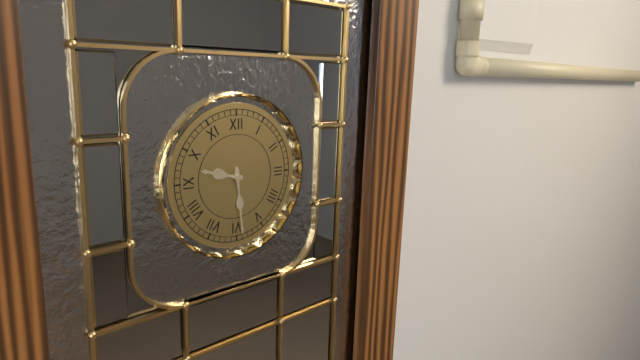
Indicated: **9:29**
